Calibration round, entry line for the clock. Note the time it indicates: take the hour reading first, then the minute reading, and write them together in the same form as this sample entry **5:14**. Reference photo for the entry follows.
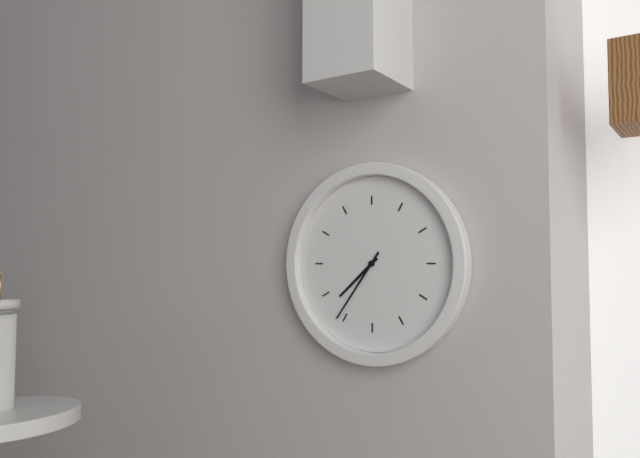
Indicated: **7:36**
